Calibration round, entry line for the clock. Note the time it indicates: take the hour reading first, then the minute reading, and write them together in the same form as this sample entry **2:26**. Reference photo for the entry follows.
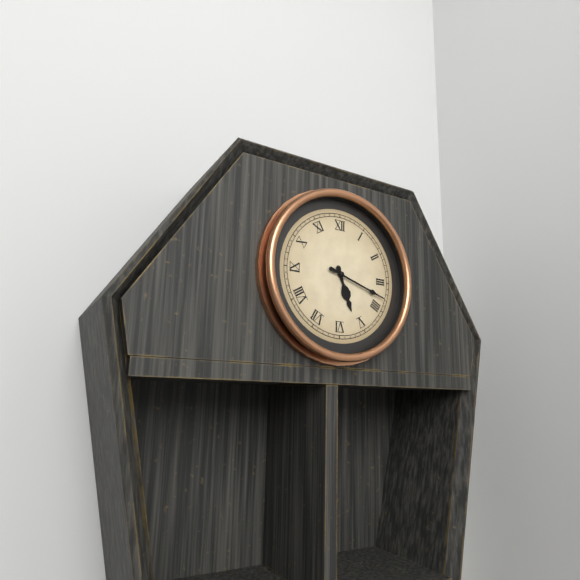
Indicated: **5:18**
